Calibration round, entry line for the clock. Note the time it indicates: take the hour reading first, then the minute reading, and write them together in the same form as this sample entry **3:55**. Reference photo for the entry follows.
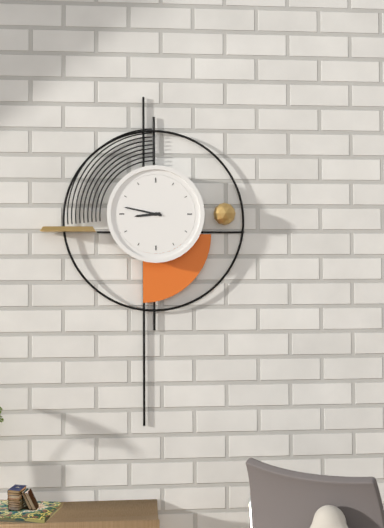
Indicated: **8:47**
